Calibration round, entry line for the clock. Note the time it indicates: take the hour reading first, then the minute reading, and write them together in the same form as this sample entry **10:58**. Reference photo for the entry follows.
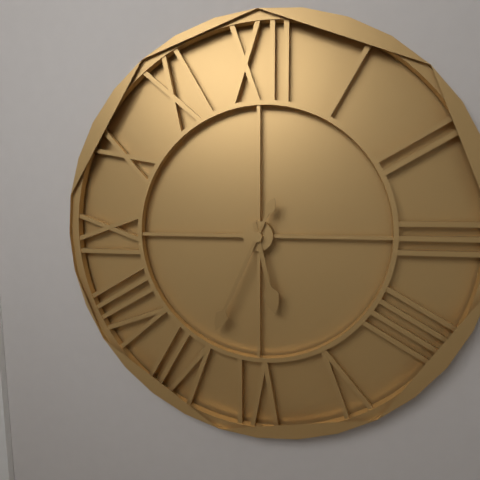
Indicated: **5:34**
